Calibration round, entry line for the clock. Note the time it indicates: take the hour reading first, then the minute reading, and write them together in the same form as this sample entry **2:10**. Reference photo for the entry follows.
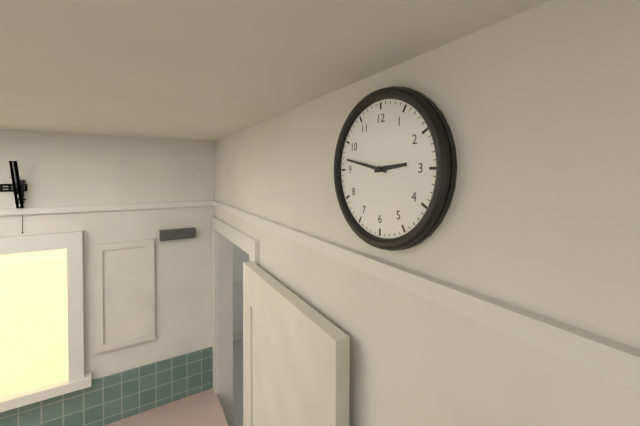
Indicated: **2:47**
